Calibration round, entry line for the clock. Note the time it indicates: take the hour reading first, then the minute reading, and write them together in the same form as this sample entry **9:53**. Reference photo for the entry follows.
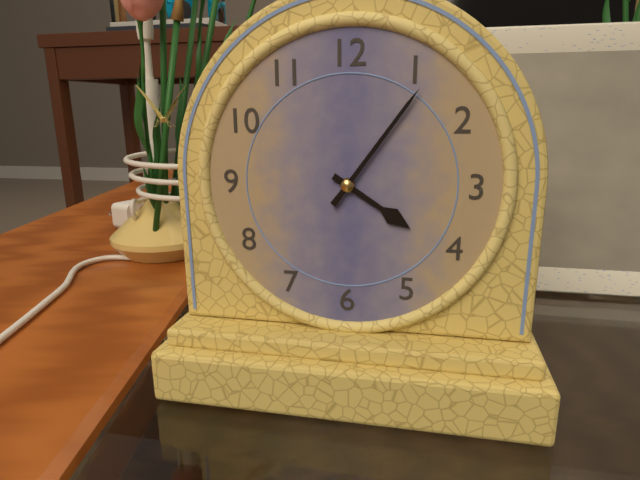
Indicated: **4:06**
